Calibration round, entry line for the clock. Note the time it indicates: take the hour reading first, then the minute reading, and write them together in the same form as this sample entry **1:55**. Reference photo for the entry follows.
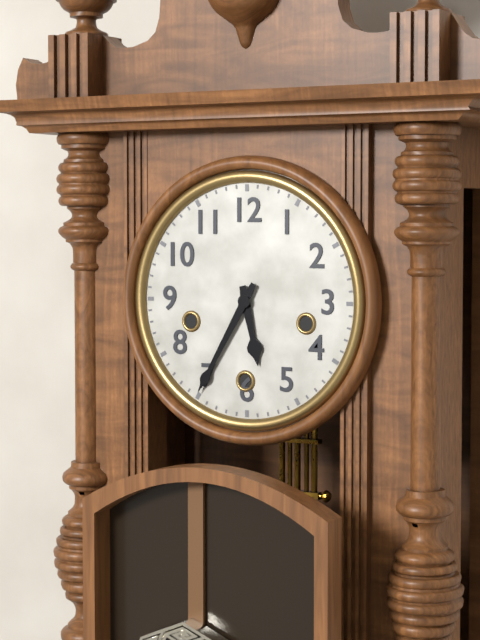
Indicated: **5:35**
